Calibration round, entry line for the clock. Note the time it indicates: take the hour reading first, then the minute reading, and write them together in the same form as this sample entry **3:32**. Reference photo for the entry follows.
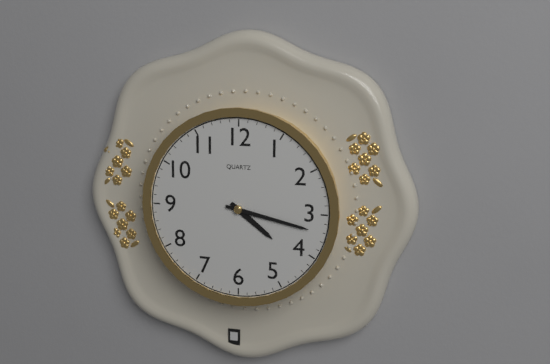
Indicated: **4:17**
